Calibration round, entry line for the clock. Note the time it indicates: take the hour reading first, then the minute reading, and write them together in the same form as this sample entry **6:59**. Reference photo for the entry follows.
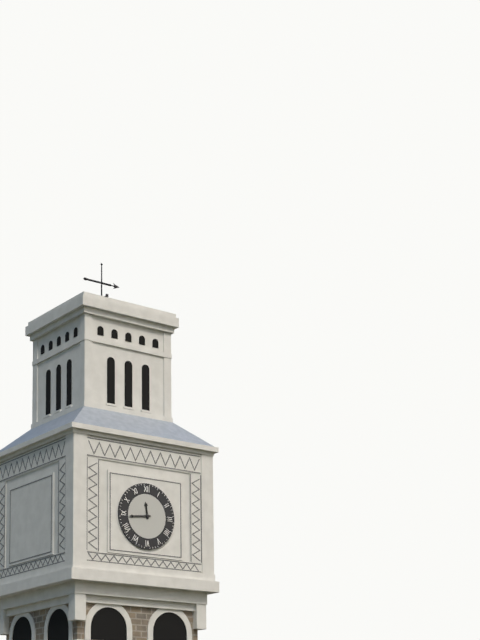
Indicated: **11:44**
